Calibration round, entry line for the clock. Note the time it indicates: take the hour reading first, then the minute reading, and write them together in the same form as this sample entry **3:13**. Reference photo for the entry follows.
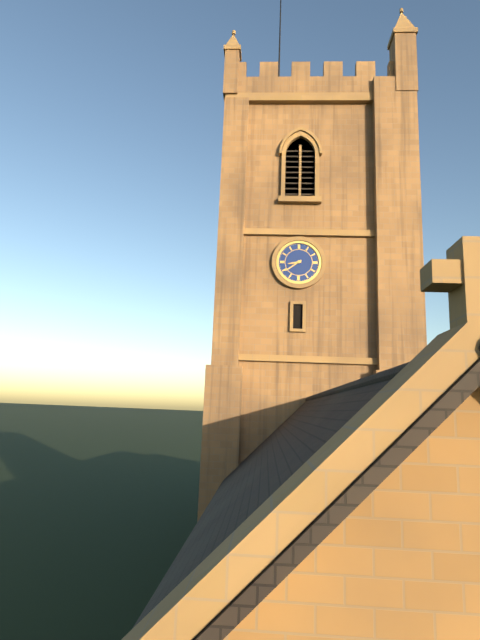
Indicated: **8:39**
